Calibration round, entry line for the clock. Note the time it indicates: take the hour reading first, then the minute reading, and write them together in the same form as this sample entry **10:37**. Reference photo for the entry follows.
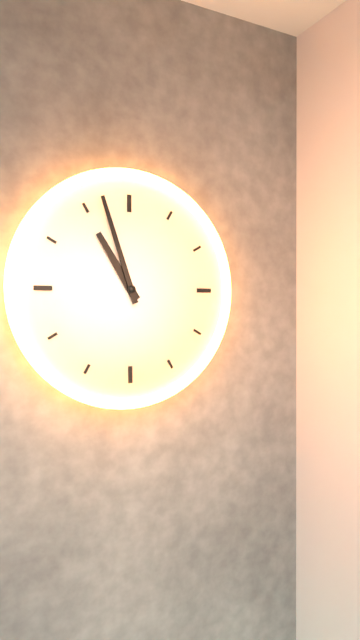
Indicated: **10:57**
